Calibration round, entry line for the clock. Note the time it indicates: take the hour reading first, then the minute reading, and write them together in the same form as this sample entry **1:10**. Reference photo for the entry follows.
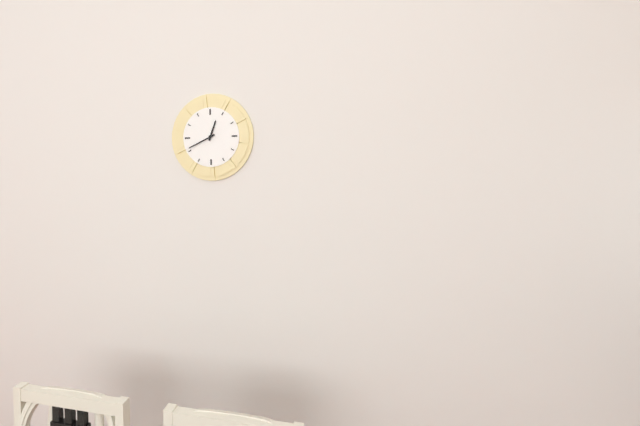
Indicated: **12:41**
